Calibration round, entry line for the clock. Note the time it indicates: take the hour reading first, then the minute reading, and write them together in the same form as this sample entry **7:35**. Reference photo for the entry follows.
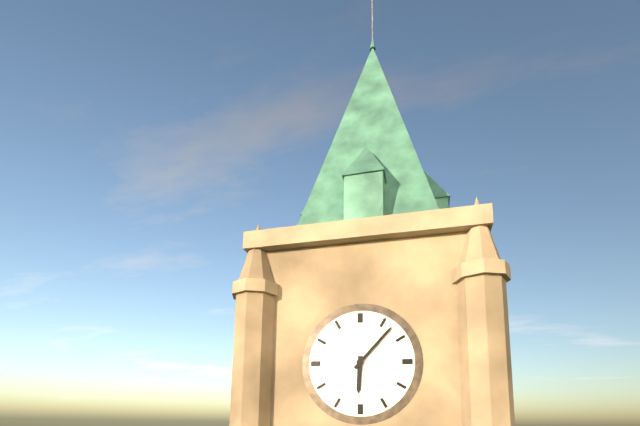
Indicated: **6:07**
